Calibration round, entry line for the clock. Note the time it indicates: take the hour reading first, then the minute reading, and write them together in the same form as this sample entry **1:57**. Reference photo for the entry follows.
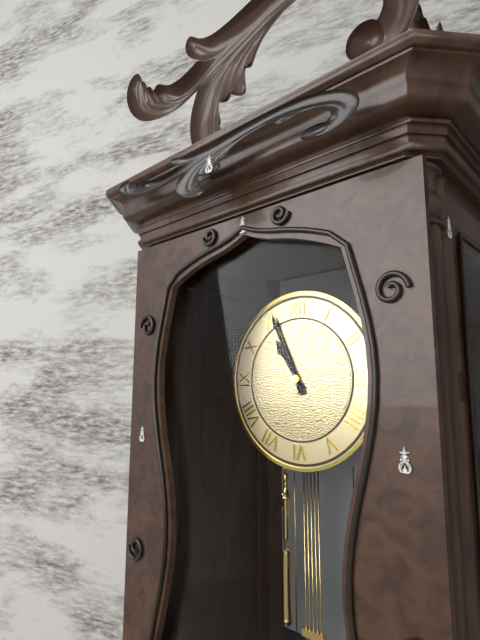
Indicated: **10:56**
